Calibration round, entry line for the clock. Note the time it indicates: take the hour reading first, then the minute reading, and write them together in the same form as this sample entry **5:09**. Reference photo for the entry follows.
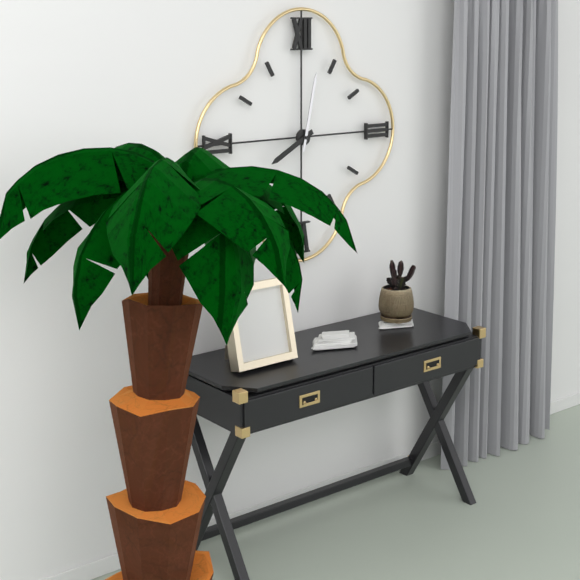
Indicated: **8:02**
